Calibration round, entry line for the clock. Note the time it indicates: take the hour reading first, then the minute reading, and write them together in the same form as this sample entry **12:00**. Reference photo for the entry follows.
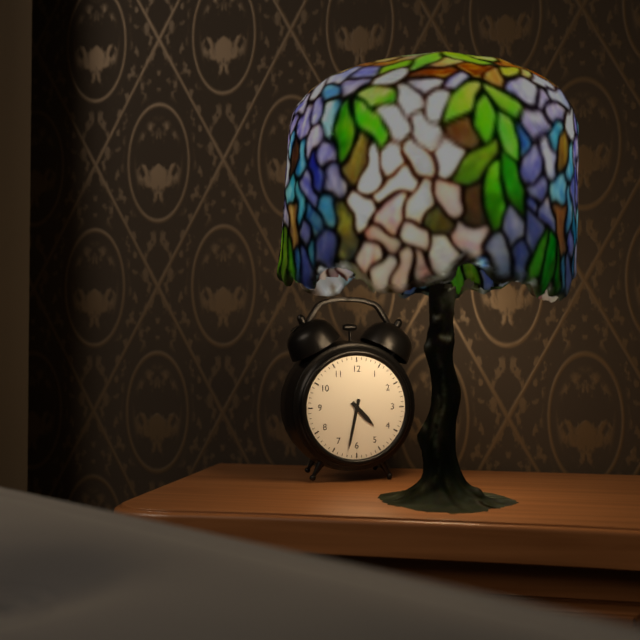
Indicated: **4:32**
